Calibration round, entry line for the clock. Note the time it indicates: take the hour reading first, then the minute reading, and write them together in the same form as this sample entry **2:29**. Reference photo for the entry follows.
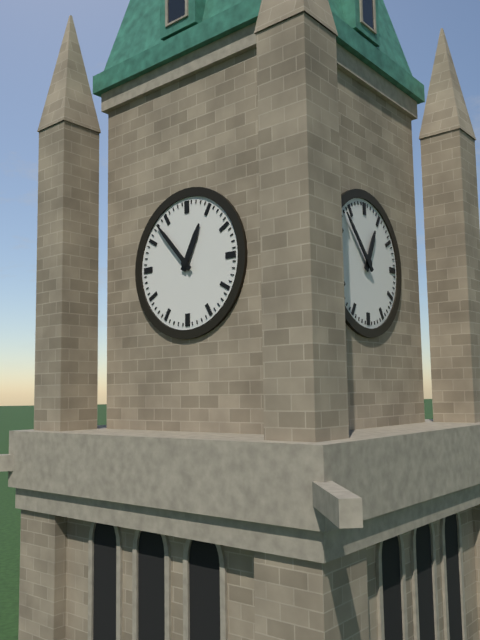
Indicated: **12:53**
